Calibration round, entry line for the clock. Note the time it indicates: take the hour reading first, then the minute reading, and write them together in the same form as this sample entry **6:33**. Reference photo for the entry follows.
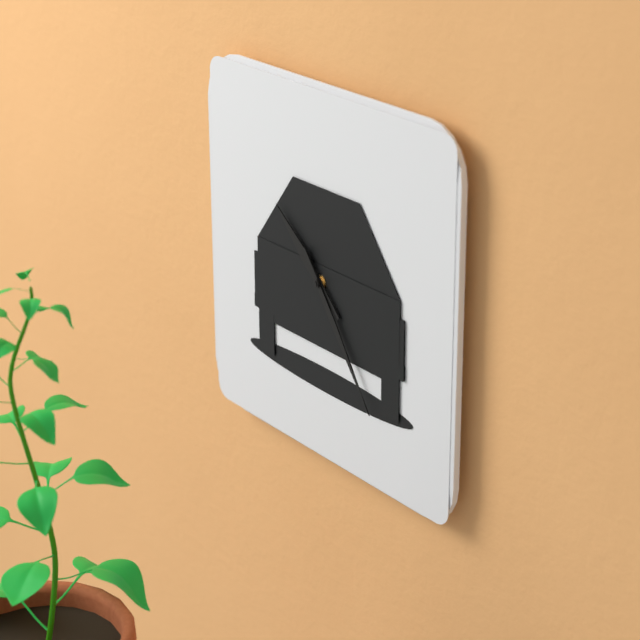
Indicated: **10:24**
